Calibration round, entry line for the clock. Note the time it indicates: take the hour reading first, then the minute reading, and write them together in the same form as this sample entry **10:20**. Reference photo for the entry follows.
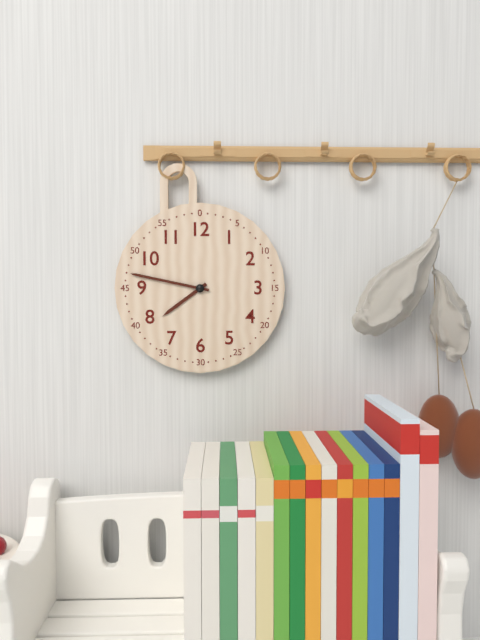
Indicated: **7:47**
